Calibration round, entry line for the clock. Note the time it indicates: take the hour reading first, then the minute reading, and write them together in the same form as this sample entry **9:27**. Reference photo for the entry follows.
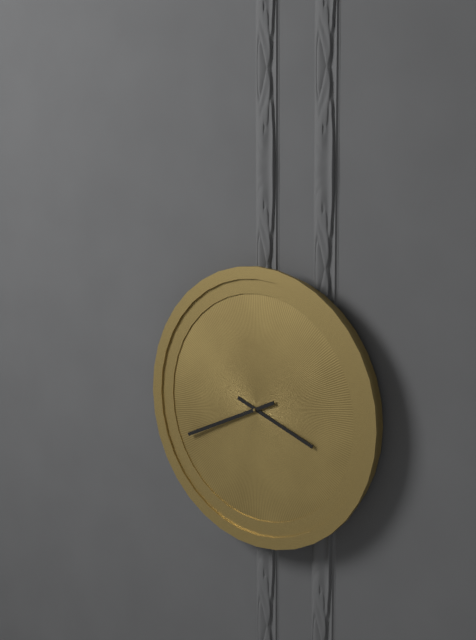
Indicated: **3:41**
